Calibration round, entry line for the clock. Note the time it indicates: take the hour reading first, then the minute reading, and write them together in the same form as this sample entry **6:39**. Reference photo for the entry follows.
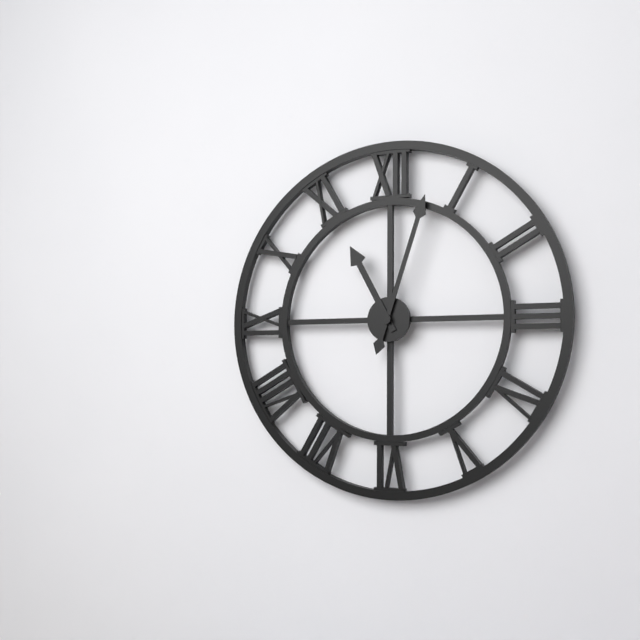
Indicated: **11:03**
